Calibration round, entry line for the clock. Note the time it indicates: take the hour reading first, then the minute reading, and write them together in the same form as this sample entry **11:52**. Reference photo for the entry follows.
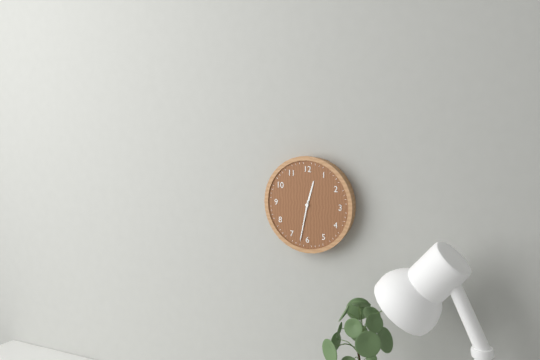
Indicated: **12:32**
